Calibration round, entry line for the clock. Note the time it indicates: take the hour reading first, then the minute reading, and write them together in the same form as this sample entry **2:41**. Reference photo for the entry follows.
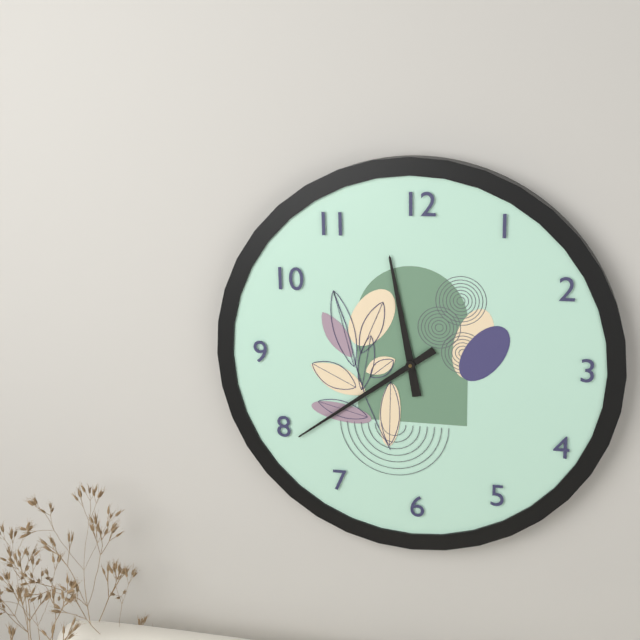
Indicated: **11:39**
